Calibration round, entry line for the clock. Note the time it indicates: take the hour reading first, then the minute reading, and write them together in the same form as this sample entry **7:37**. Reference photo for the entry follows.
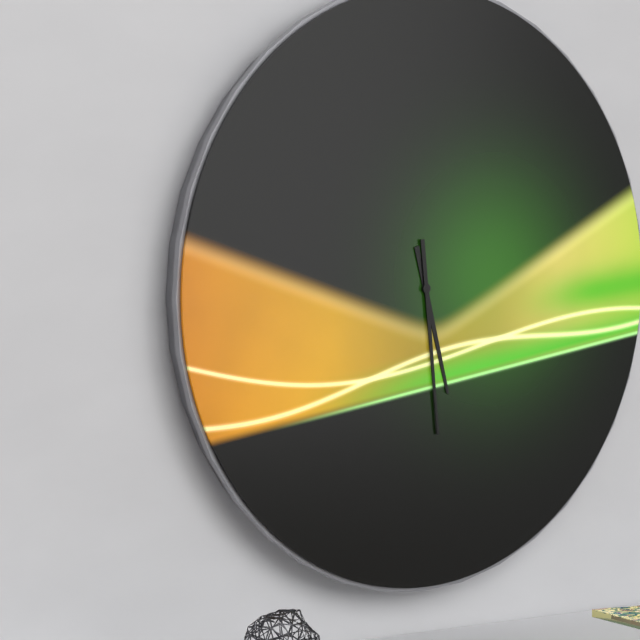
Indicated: **5:29**
